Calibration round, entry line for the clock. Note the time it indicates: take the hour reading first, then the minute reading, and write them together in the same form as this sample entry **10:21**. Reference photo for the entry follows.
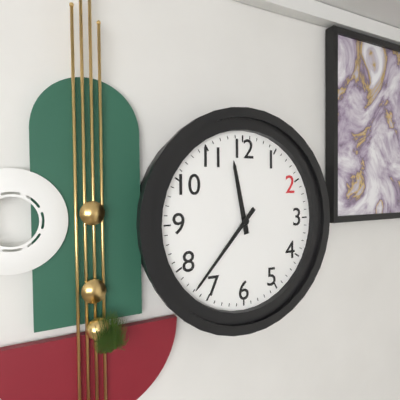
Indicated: **11:37**
